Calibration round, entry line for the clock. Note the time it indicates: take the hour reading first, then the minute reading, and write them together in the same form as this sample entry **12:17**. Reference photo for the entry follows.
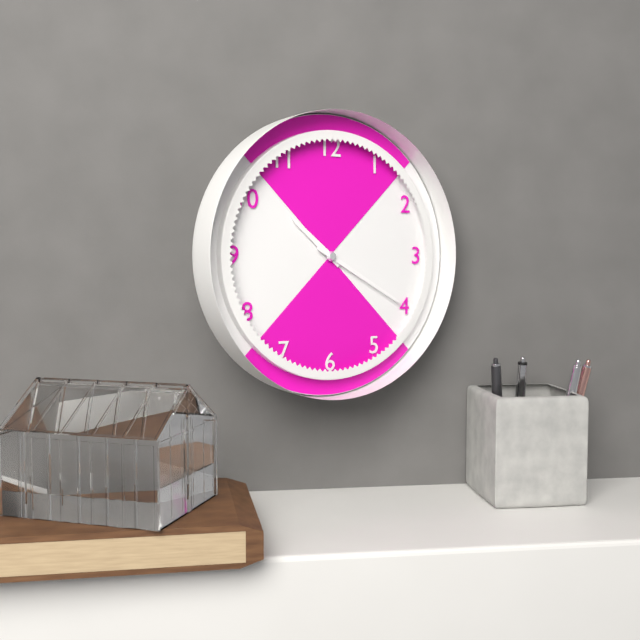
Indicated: **10:20**
